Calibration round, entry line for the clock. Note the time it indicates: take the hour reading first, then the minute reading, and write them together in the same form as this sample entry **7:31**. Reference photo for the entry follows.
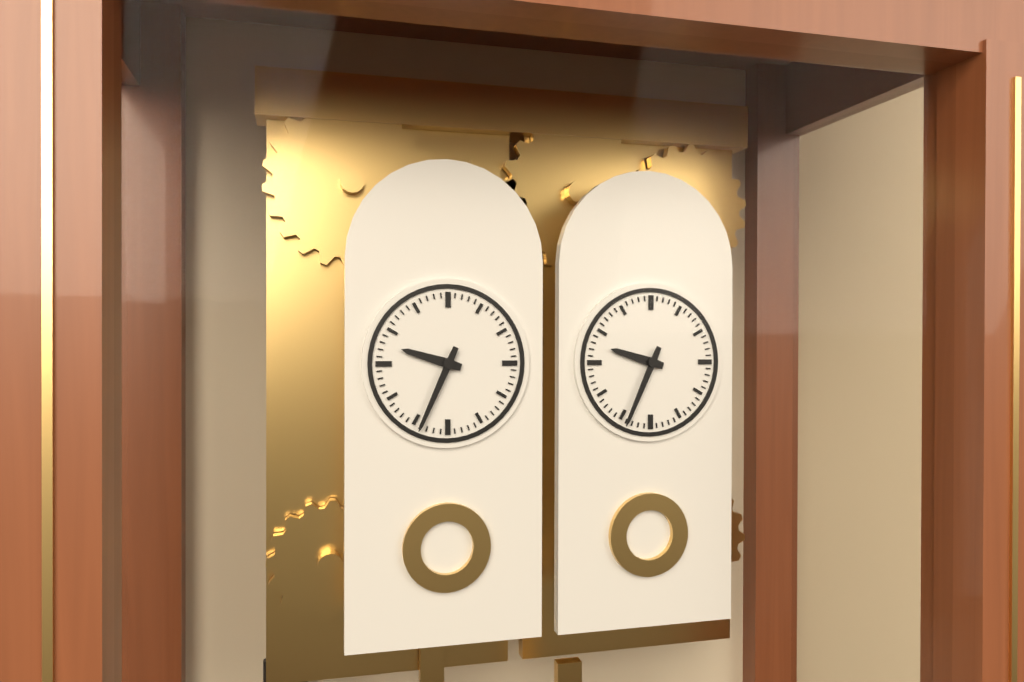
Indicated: **9:34**
